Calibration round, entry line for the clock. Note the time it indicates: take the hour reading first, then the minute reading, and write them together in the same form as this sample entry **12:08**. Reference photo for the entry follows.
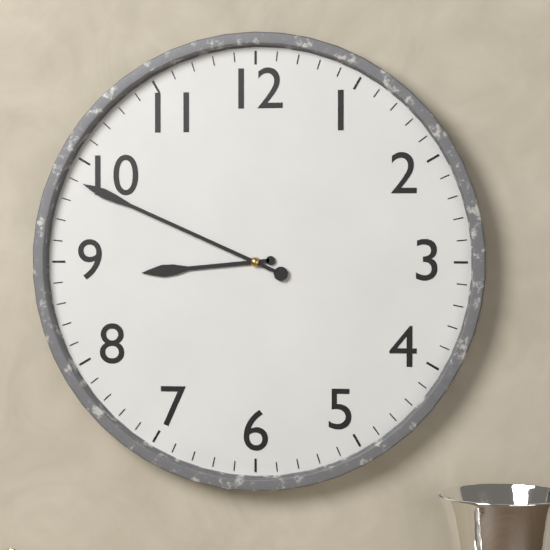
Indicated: **8:49**
